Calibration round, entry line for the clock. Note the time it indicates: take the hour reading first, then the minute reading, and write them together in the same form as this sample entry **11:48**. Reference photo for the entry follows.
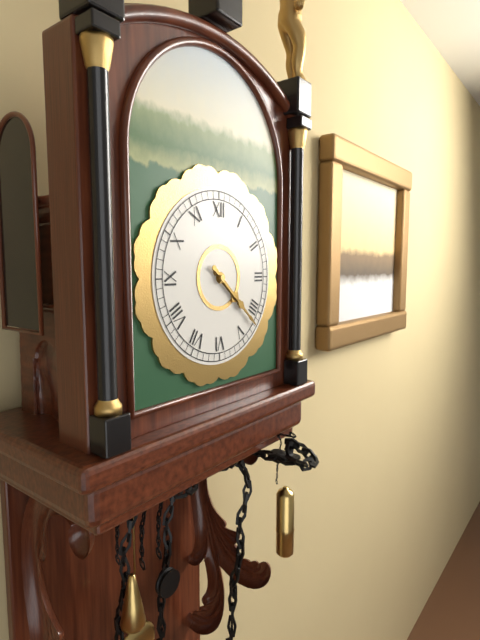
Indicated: **4:22**
